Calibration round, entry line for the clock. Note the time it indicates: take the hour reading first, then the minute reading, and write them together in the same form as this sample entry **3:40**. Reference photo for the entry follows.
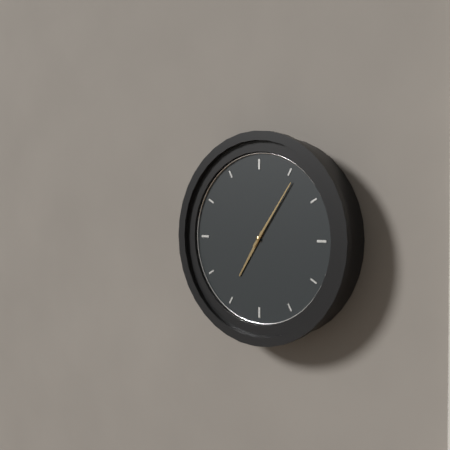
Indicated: **7:06**
